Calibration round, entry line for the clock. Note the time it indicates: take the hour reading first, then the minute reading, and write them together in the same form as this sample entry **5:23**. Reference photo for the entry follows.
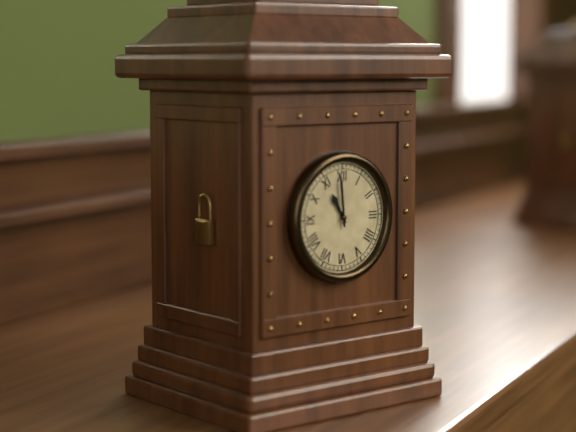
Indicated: **10:59**
